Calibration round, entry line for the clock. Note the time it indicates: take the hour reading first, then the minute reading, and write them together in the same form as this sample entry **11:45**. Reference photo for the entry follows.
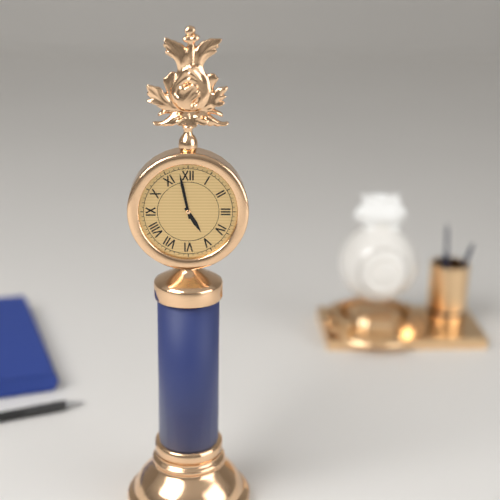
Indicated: **4:58**
